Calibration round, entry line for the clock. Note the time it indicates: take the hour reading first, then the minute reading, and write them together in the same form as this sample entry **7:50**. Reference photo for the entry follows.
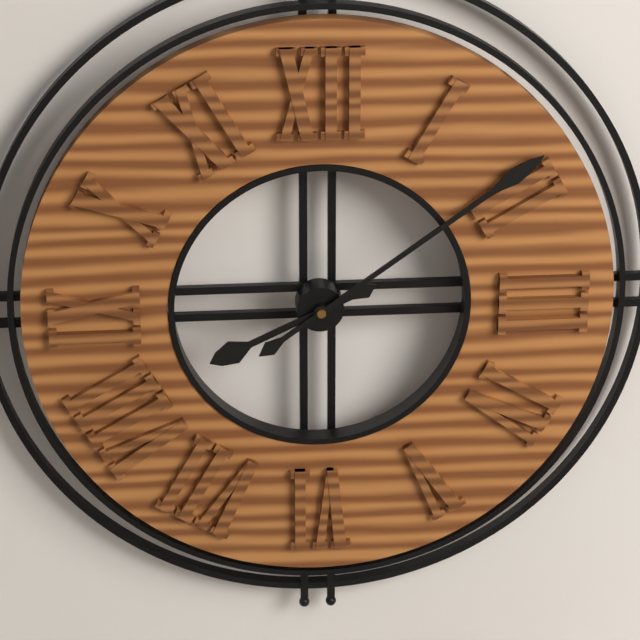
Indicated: **8:09**
